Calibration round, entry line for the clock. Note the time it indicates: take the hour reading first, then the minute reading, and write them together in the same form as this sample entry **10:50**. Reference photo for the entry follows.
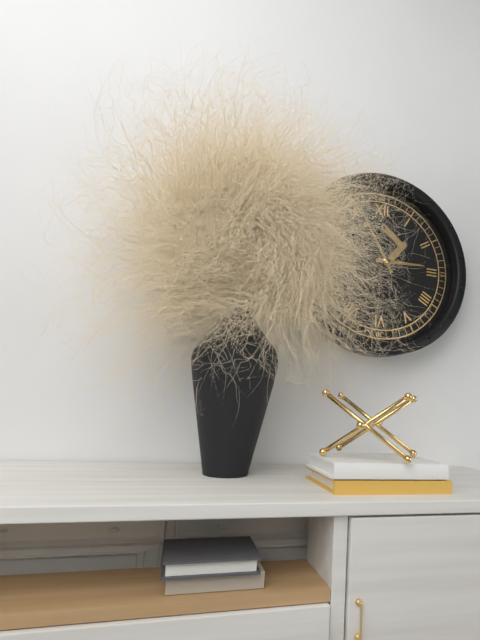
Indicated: **2:55**
